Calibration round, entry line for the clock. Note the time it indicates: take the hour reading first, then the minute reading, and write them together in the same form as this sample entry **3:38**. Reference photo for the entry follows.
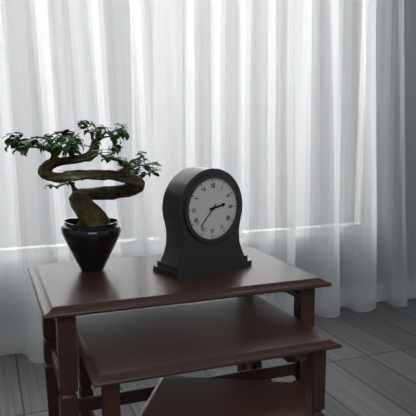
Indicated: **2:37**
